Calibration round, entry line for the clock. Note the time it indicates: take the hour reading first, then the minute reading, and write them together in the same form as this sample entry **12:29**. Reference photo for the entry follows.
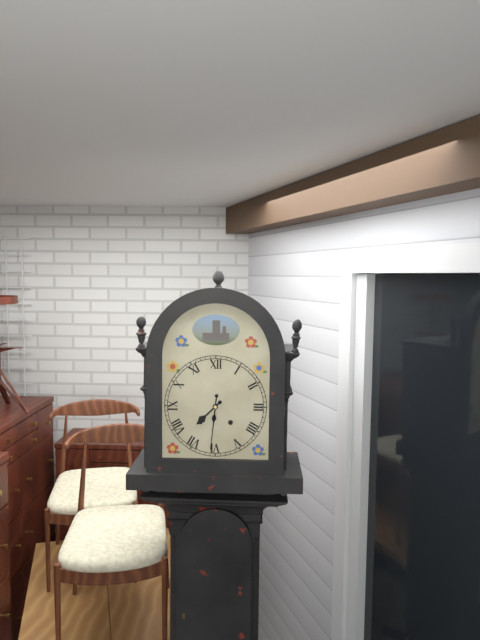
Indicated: **7:31**
